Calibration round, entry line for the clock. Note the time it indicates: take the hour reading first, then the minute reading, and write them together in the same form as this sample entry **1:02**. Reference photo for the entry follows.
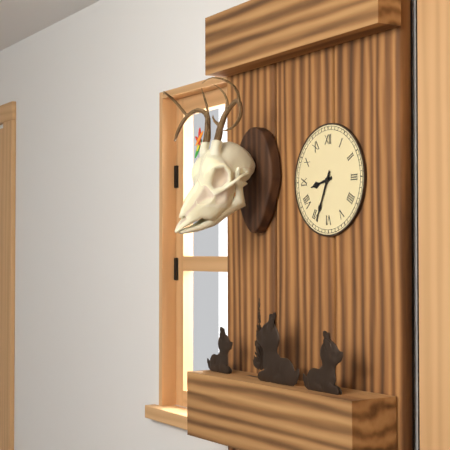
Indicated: **8:34**
